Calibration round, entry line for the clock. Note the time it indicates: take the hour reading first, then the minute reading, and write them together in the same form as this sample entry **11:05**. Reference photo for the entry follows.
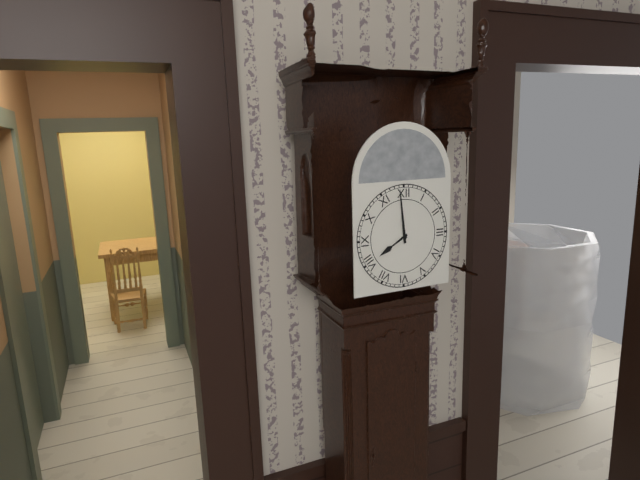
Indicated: **7:59**
